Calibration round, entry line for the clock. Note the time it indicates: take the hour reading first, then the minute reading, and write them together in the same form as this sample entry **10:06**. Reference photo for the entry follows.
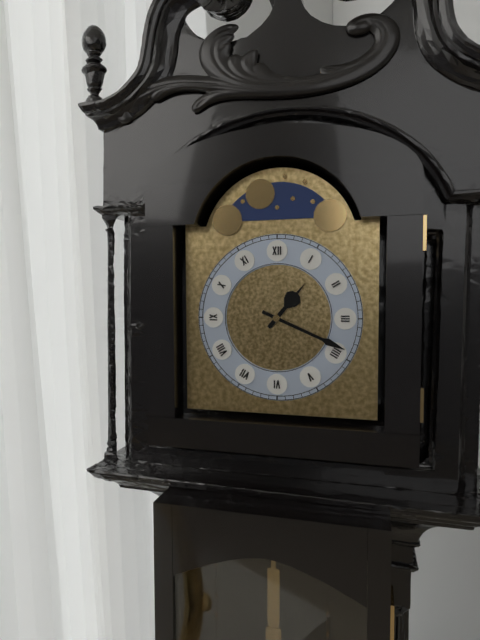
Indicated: **1:19**
